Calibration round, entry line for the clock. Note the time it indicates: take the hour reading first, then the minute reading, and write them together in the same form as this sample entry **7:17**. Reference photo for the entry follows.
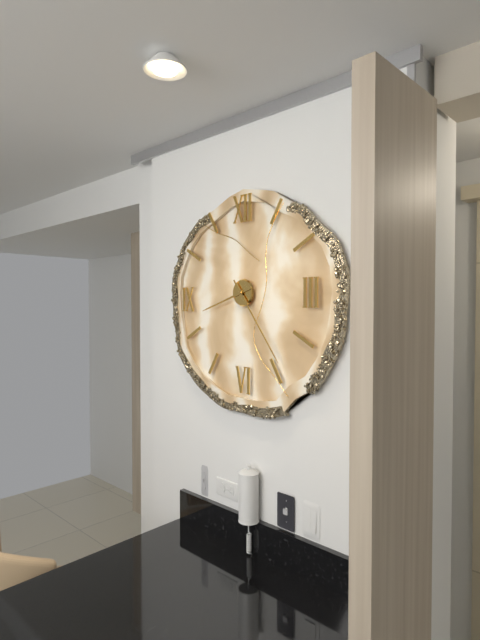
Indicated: **8:24**
